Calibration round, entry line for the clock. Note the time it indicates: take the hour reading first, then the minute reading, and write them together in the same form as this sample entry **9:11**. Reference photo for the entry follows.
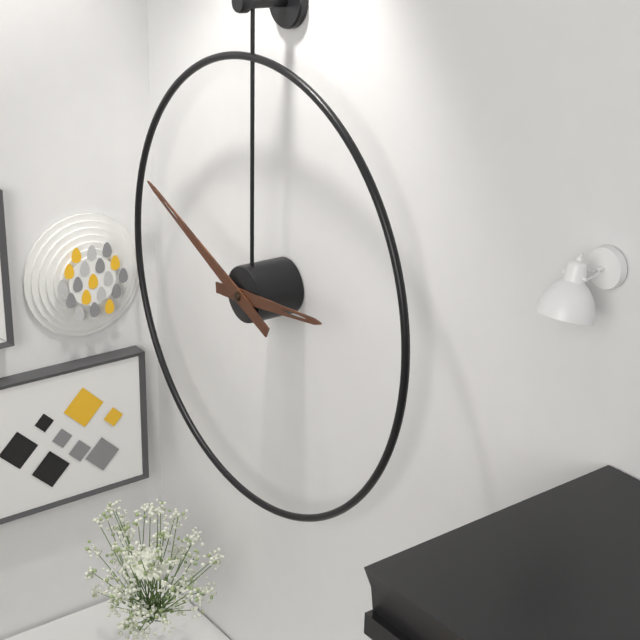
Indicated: **2:49**
